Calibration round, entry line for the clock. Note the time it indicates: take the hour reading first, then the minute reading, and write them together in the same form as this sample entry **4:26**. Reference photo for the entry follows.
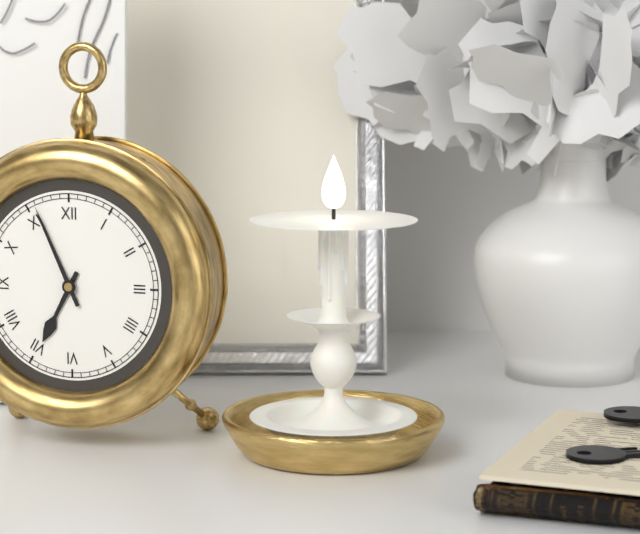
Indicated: **6:56**
